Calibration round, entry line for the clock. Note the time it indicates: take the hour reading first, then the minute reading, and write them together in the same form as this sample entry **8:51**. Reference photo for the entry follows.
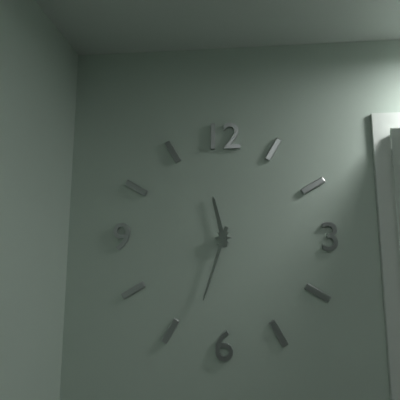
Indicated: **11:33**
